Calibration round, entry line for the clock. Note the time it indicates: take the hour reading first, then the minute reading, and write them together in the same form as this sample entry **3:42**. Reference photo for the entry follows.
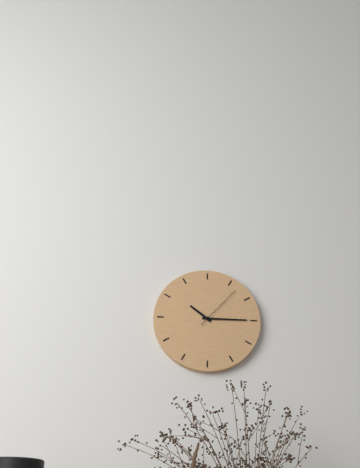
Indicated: **10:15**
